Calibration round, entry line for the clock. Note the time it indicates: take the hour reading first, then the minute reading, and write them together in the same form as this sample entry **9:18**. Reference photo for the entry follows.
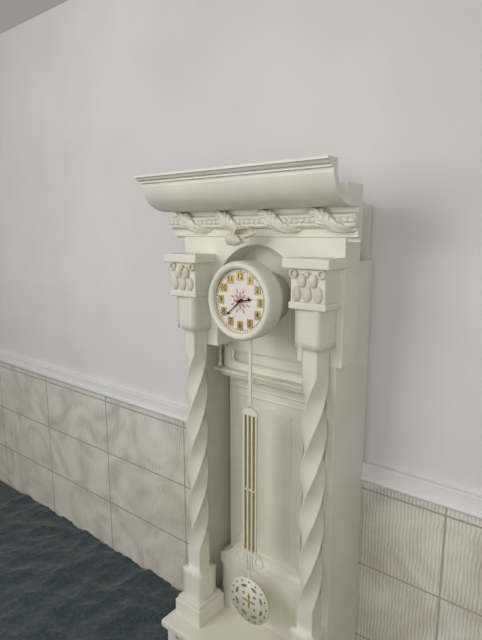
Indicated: **2:38**
